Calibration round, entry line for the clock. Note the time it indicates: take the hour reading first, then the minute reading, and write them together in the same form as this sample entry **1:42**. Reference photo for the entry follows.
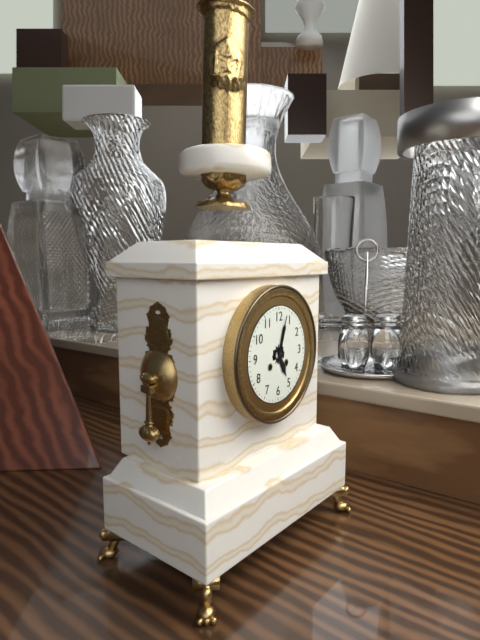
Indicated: **5:03**
